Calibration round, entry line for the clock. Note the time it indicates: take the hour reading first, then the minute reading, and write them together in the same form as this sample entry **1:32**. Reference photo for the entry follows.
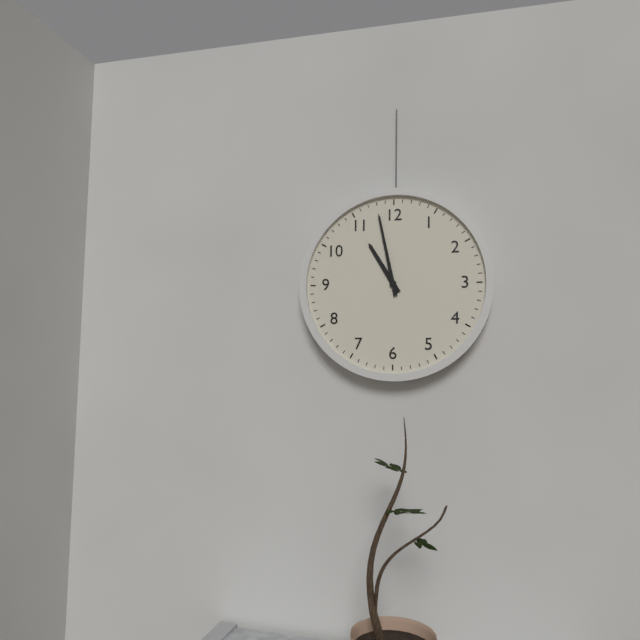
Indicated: **10:58**
